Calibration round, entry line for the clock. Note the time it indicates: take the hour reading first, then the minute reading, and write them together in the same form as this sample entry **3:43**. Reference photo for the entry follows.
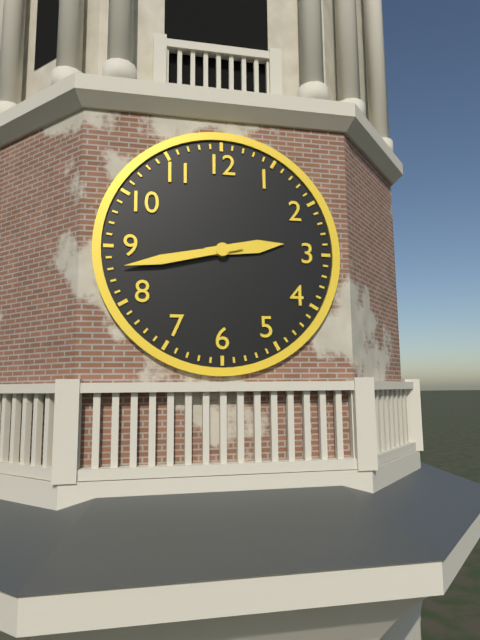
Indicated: **2:43**
